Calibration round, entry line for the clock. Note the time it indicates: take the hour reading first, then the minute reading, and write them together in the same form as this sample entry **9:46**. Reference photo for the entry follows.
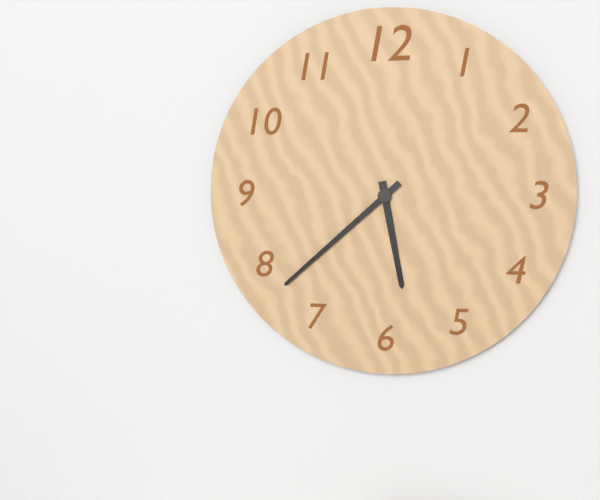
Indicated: **5:38**
